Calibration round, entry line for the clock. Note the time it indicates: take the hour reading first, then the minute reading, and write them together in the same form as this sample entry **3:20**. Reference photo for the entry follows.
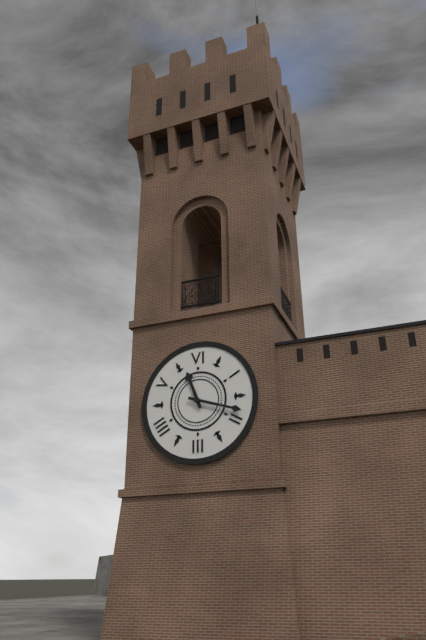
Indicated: **11:18**
